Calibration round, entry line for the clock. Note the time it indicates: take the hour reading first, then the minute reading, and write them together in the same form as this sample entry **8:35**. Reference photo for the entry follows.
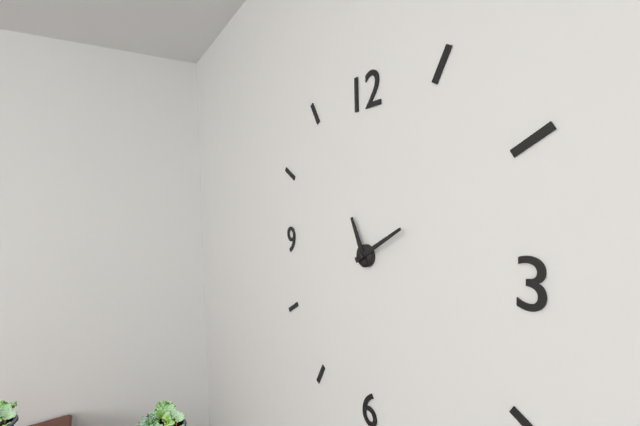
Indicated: **11:10**
